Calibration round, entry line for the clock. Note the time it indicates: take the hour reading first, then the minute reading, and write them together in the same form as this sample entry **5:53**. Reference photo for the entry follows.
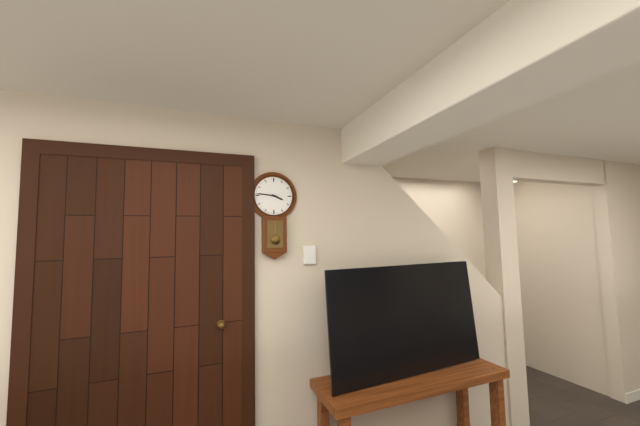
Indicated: **3:46**
